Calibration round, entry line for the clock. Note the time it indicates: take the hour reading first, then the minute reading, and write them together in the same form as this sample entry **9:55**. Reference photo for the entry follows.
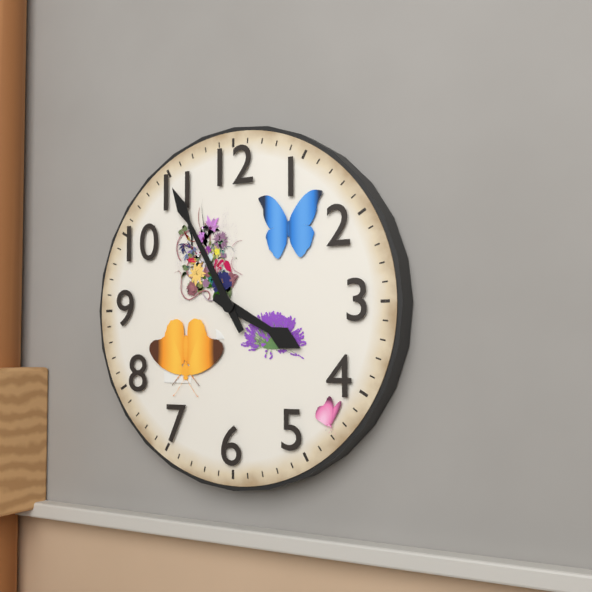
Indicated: **3:55**
